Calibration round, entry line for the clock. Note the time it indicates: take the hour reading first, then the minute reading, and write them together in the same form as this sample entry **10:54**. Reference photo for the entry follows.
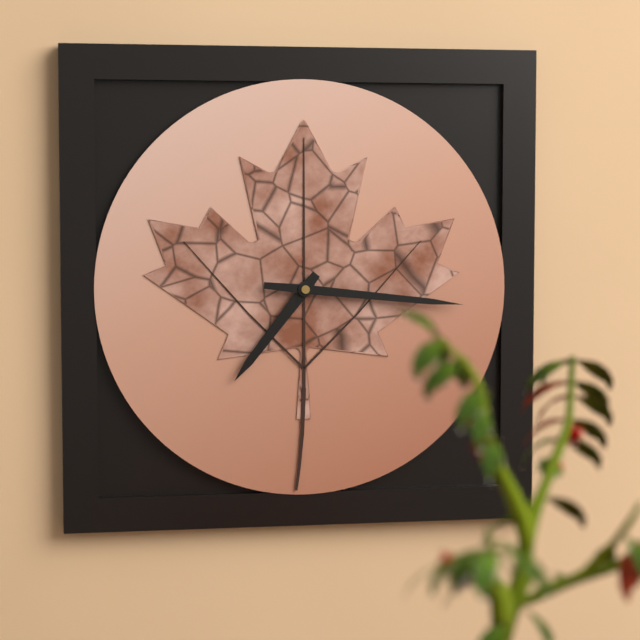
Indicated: **7:16**
